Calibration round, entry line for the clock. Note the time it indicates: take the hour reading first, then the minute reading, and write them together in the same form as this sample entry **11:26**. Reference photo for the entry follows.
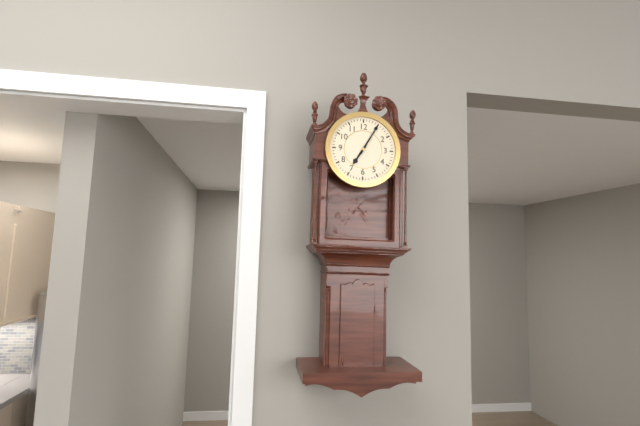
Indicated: **7:05**
